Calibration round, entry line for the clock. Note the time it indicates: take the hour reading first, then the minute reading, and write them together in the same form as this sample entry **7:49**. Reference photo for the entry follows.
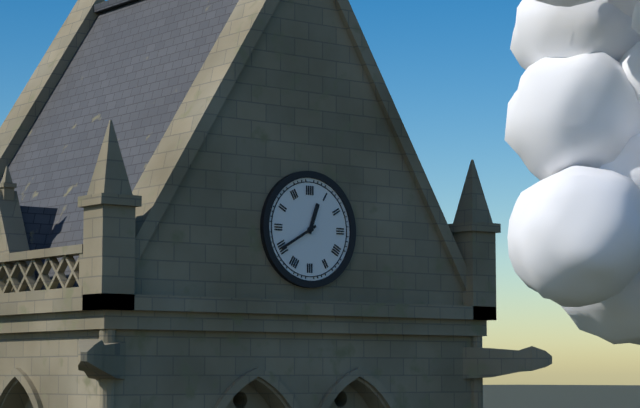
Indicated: **12:40**
